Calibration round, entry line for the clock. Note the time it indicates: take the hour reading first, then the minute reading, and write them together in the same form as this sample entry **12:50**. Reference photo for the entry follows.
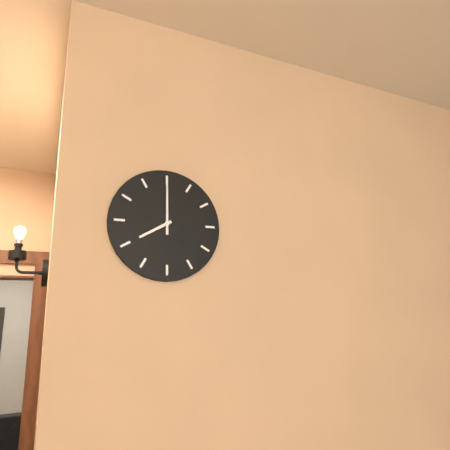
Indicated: **8:00**
